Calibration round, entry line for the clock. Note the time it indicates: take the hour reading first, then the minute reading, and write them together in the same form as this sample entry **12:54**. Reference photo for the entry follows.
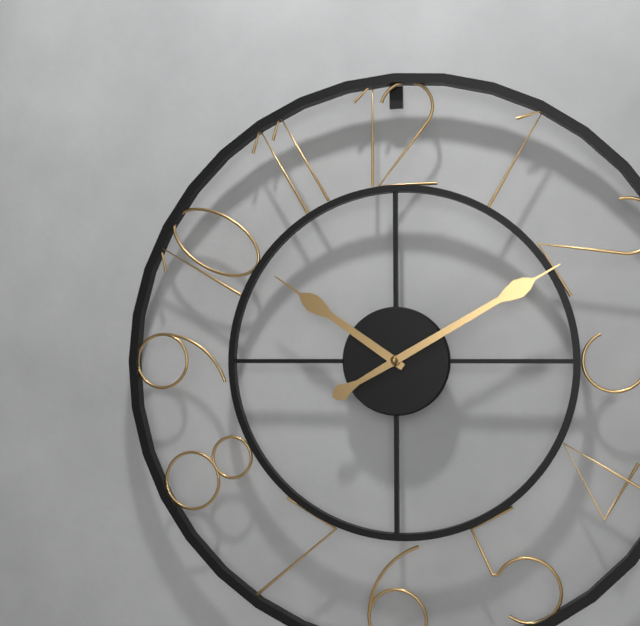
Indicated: **10:10**
